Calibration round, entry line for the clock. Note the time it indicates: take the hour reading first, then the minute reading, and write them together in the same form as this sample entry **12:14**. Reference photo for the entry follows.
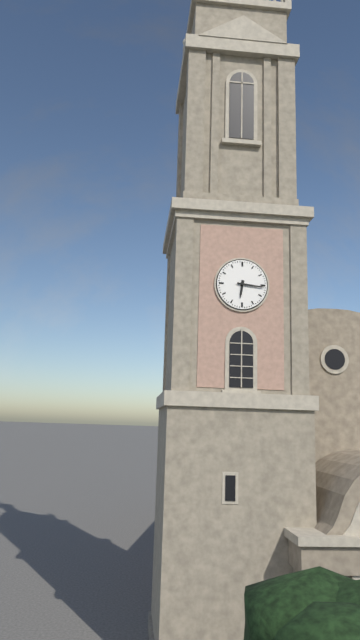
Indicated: **6:16**
